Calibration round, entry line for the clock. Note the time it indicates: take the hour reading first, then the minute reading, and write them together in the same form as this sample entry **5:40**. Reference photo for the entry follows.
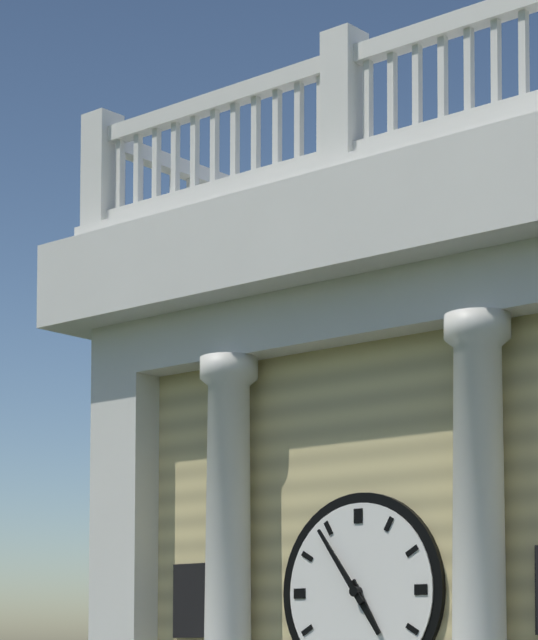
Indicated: **4:54**
